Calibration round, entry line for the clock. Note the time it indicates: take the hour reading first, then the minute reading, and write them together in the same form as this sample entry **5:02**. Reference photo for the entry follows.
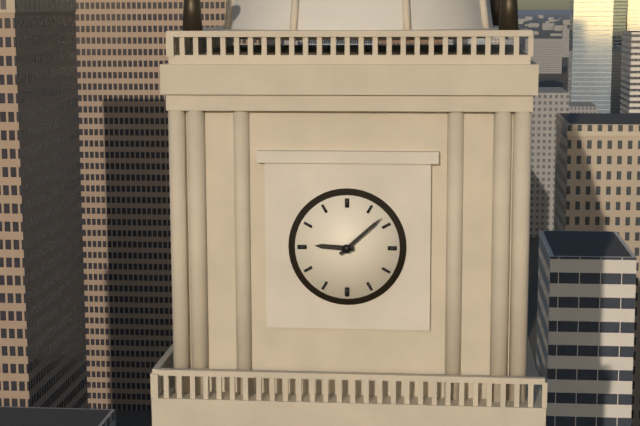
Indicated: **9:08**
